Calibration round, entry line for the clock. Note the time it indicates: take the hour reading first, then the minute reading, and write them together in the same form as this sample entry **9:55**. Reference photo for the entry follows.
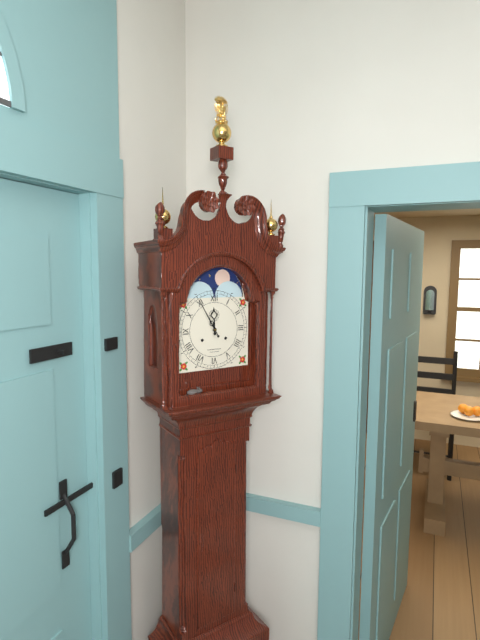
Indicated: **11:55**
